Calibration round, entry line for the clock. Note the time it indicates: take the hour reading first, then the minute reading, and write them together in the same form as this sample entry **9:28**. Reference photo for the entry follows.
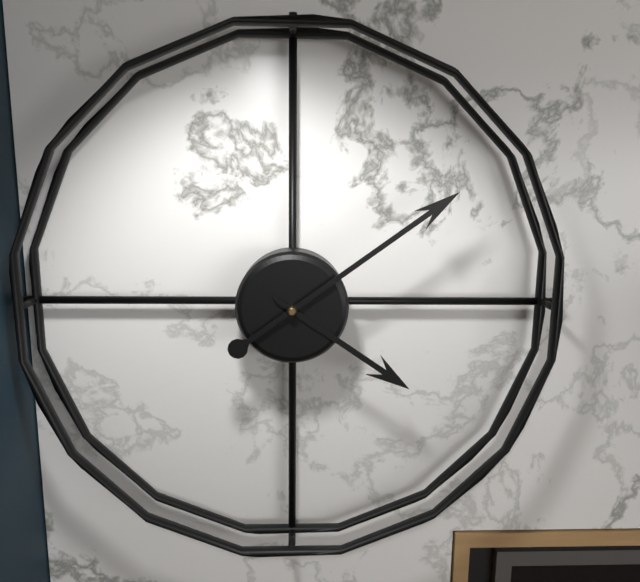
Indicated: **4:09**
